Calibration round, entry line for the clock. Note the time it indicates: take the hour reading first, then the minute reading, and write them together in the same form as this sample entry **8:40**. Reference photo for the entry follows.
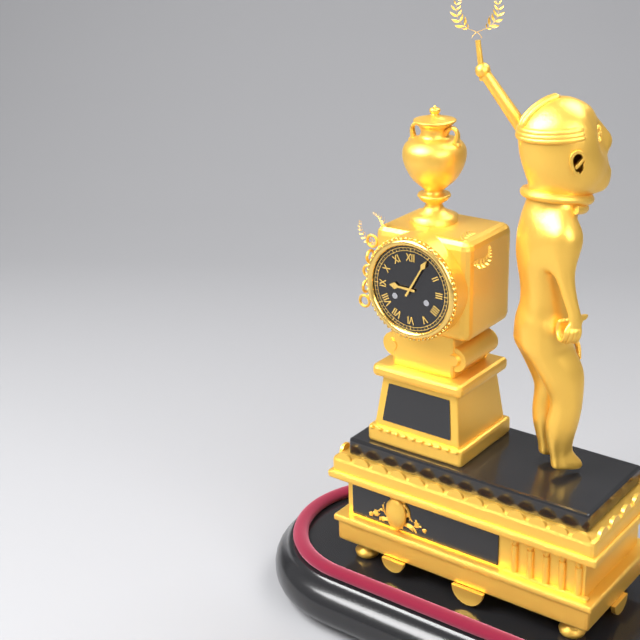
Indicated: **9:05**
